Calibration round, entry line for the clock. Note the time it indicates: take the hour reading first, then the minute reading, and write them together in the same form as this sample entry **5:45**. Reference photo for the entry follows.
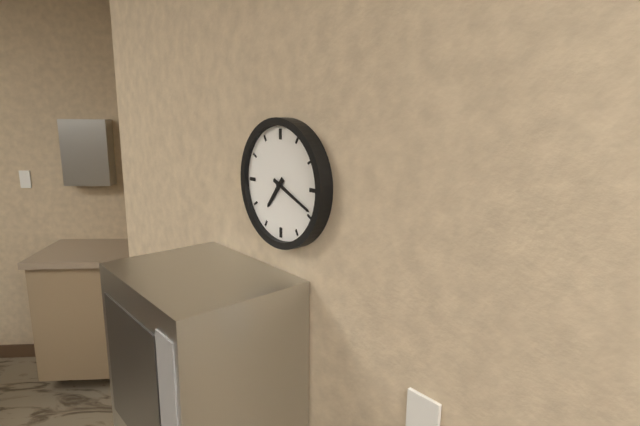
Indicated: **7:19**
